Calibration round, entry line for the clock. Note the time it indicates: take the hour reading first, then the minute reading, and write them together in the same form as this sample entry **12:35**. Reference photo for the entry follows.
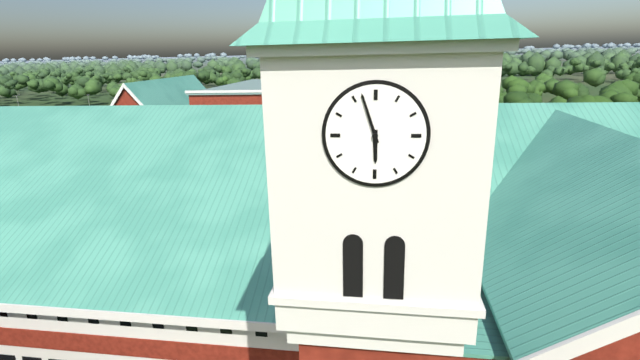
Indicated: **5:57**
